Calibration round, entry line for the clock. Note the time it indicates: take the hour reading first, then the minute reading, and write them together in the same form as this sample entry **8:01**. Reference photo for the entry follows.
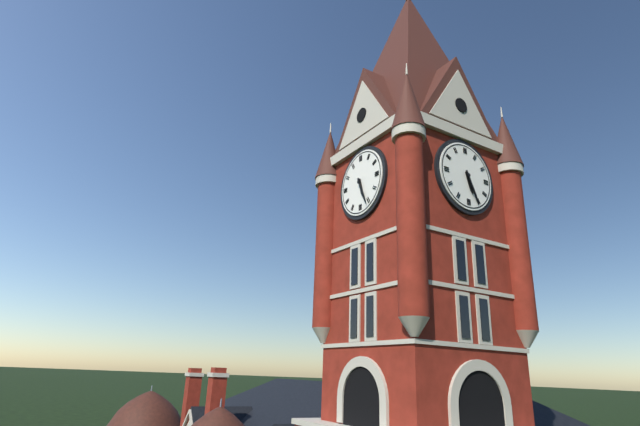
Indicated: **5:26**
